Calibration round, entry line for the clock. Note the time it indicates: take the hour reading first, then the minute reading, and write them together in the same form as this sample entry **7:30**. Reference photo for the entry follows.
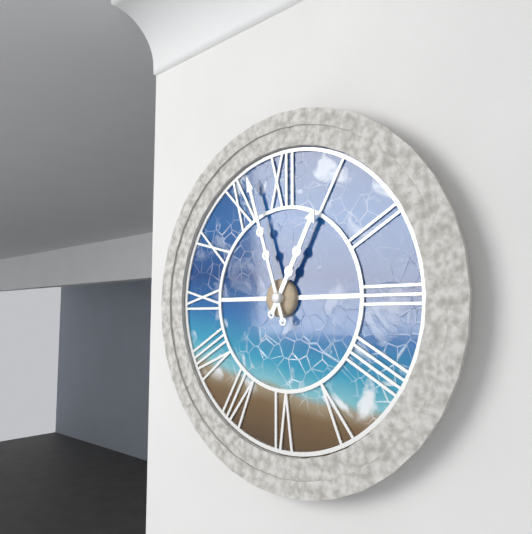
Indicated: **12:57**
